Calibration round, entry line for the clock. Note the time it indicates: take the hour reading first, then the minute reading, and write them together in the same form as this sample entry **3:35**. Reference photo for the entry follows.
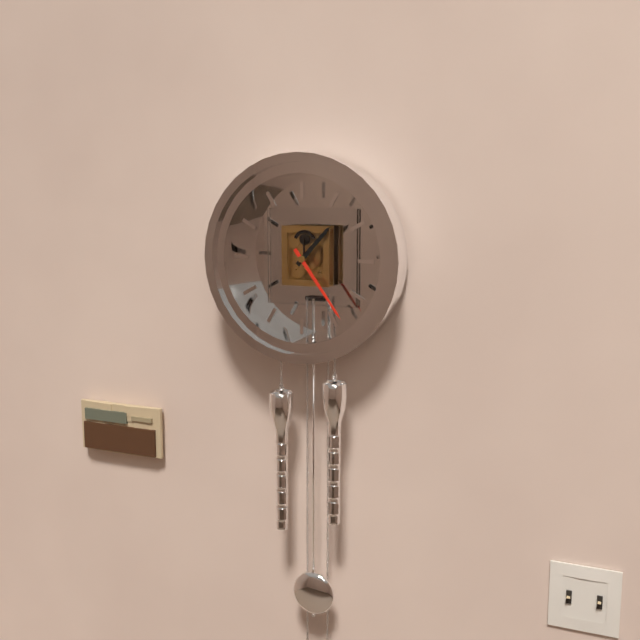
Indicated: **1:24**
